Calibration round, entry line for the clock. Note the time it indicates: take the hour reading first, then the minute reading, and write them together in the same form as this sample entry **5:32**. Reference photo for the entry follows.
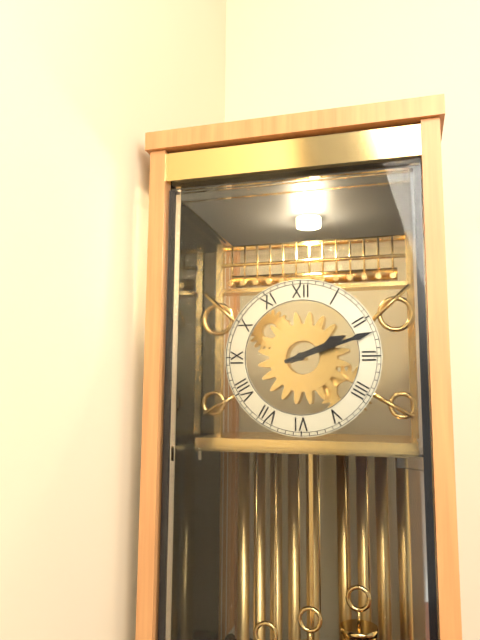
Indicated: **2:12**
